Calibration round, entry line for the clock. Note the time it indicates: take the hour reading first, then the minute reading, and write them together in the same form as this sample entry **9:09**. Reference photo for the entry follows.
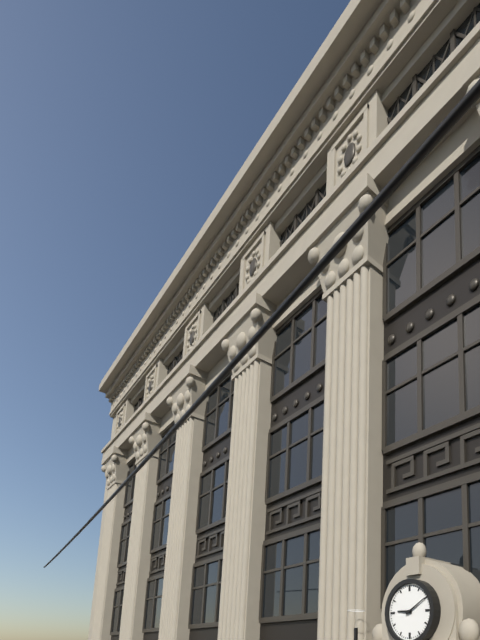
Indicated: **9:10**
